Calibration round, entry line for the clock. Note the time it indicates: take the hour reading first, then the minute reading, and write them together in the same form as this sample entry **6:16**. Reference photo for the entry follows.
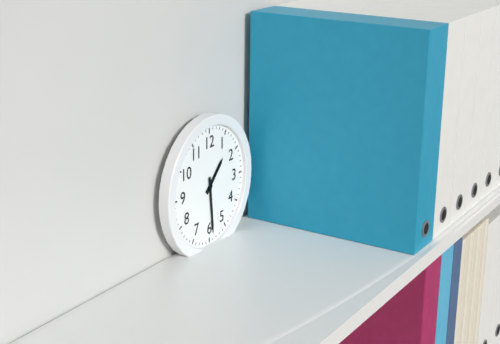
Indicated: **1:29**
